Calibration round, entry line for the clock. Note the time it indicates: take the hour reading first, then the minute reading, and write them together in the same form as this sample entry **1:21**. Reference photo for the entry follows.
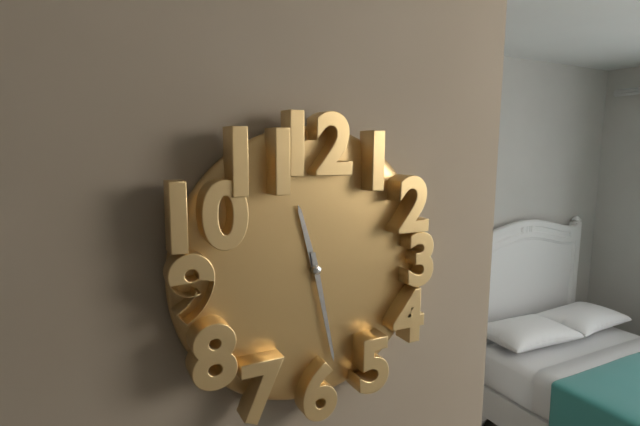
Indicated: **11:28**
